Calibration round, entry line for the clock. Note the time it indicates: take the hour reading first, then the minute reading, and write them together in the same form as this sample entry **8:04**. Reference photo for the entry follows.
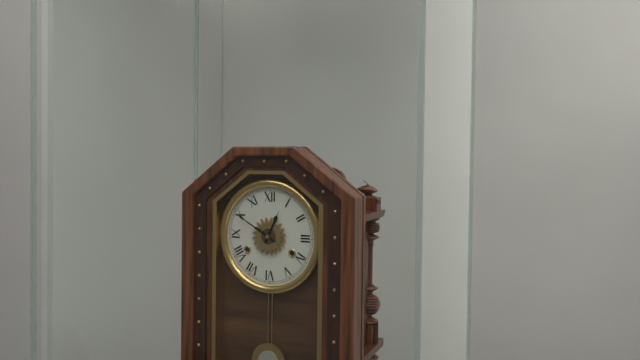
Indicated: **12:50**
